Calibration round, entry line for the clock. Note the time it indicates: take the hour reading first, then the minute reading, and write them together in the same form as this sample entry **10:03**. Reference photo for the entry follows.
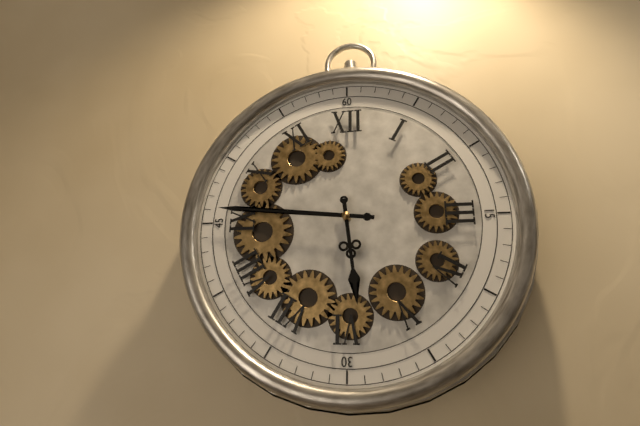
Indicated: **5:46**
